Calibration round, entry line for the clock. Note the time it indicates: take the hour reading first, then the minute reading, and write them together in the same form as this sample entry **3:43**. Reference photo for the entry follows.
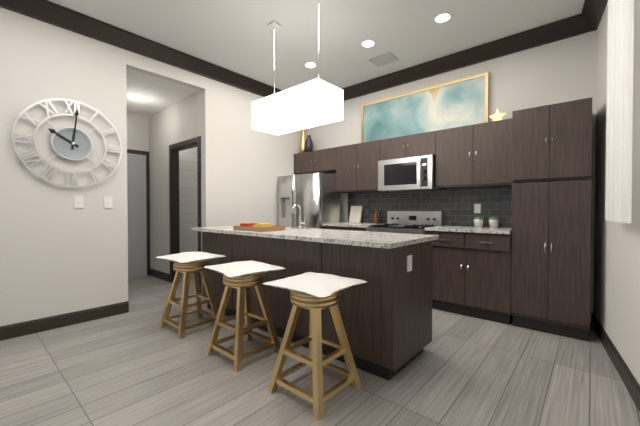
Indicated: **10:01**
